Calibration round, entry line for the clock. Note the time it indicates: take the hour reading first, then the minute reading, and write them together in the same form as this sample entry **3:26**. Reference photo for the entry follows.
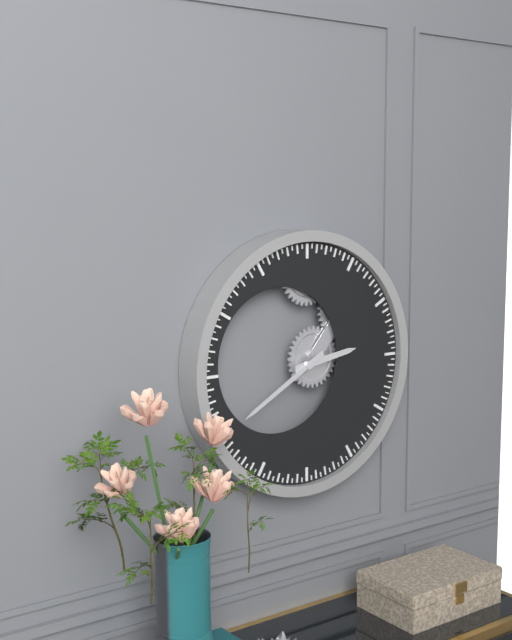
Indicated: **2:40**
